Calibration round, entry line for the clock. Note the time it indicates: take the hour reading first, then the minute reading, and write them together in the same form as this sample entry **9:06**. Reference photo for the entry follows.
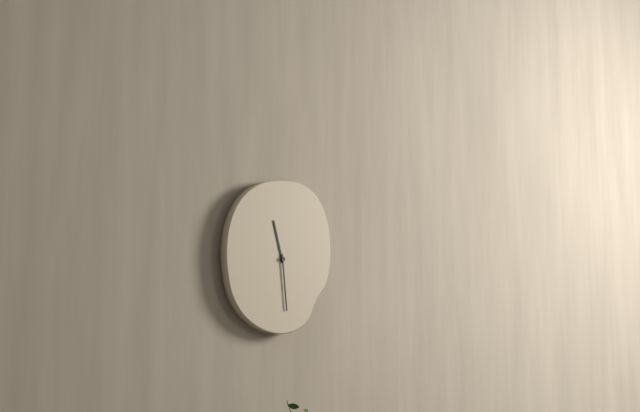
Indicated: **11:29**
